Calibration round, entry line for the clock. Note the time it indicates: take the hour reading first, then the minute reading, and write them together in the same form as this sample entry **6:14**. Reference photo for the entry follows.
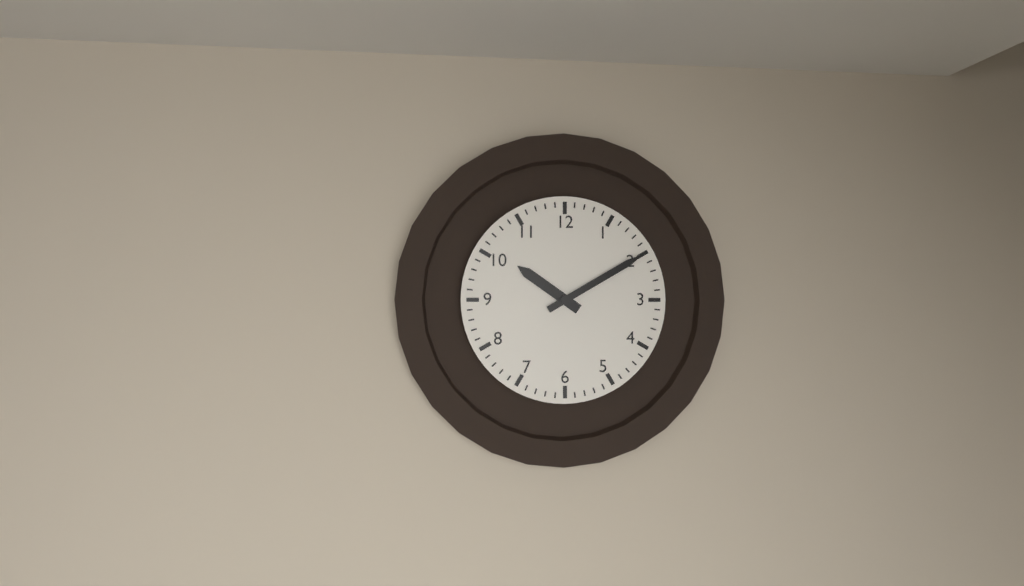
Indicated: **10:10**
